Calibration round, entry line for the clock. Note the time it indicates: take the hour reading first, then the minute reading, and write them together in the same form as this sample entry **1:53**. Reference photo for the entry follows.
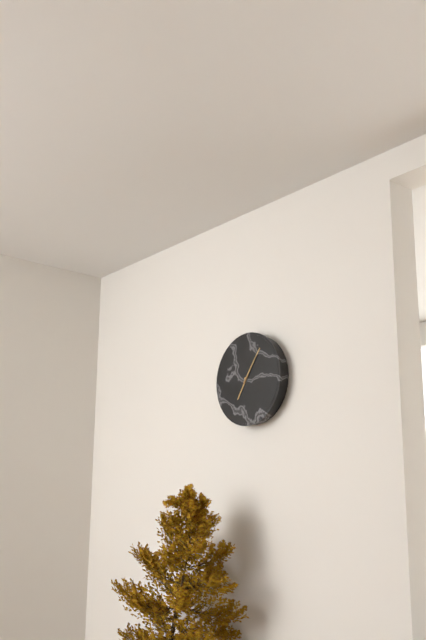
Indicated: **7:06**
